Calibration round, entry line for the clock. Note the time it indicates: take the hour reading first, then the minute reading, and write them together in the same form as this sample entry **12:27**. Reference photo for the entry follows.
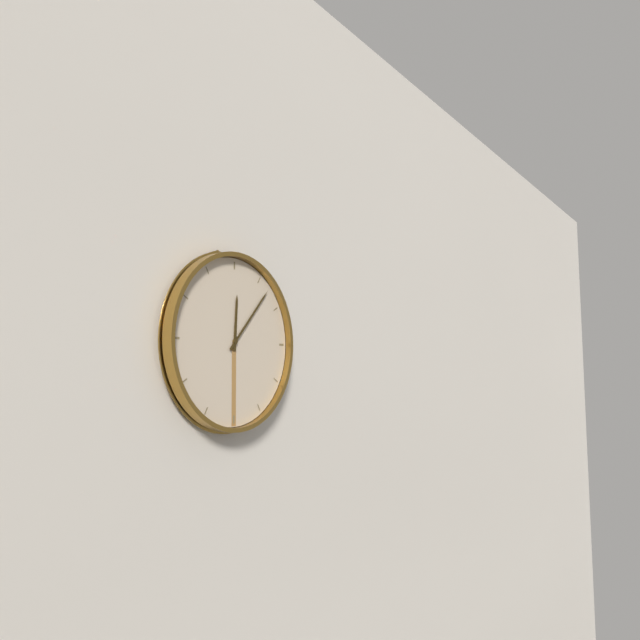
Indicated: **12:07**
